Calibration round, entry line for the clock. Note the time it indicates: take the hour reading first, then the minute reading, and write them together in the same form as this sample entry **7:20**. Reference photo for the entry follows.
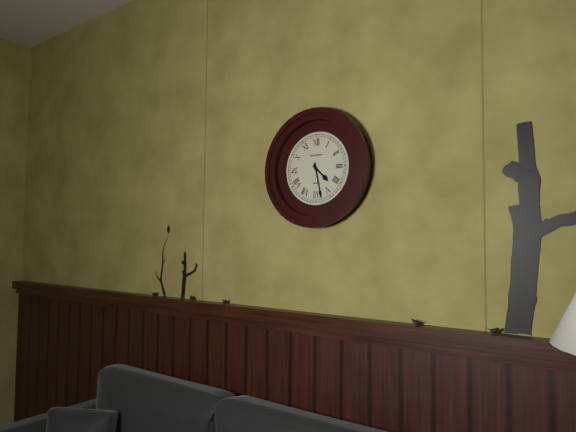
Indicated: **4:28**
